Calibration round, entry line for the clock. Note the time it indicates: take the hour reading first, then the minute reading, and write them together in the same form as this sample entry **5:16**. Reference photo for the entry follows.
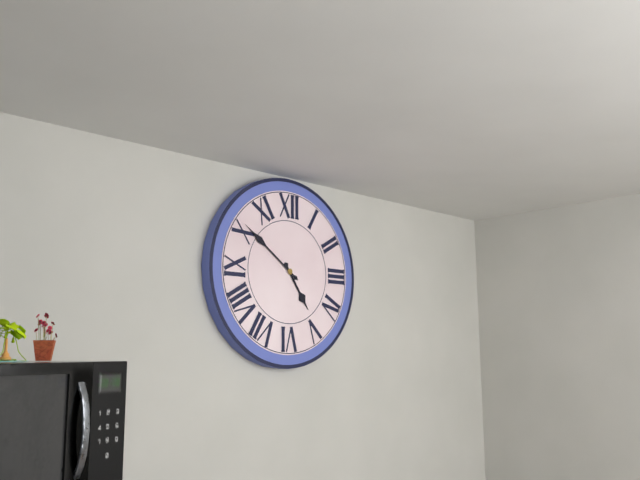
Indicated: **4:51**
